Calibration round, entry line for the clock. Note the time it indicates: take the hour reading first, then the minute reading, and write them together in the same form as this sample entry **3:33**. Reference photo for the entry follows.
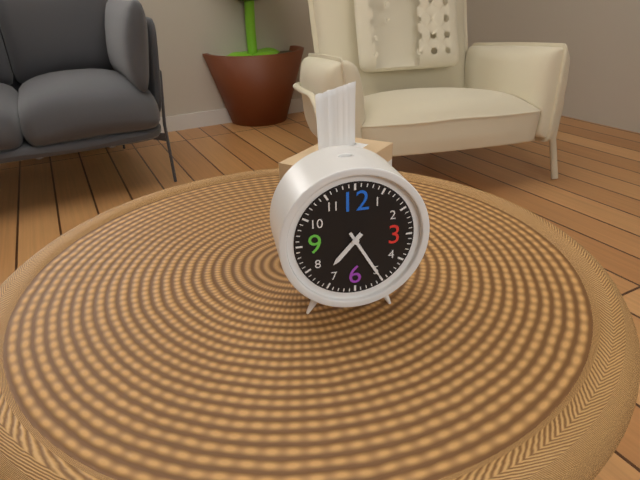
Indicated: **7:25**
